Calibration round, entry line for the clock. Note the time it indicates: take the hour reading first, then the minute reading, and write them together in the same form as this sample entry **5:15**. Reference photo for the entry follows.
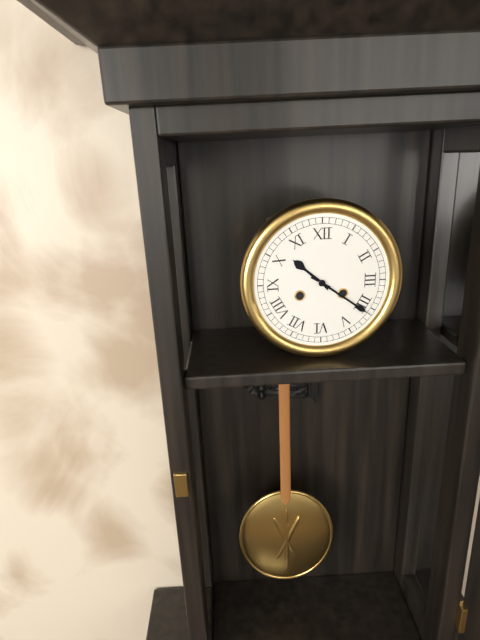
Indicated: **10:21**
